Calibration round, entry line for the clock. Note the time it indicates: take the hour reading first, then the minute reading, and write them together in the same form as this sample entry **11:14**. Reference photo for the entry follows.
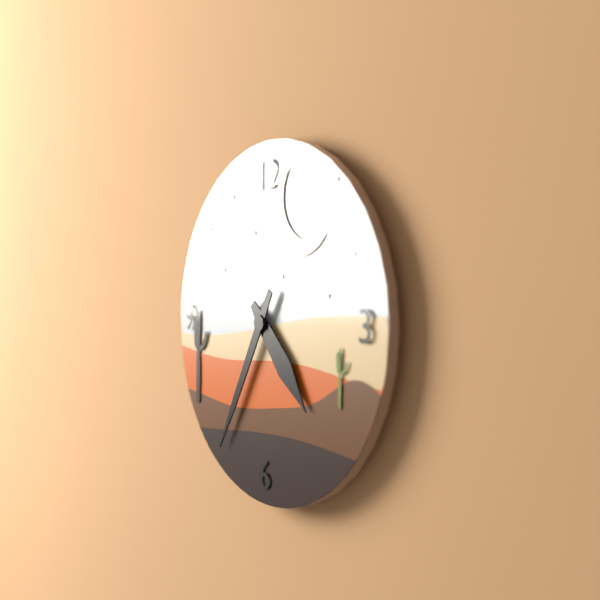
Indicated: **4:35**
